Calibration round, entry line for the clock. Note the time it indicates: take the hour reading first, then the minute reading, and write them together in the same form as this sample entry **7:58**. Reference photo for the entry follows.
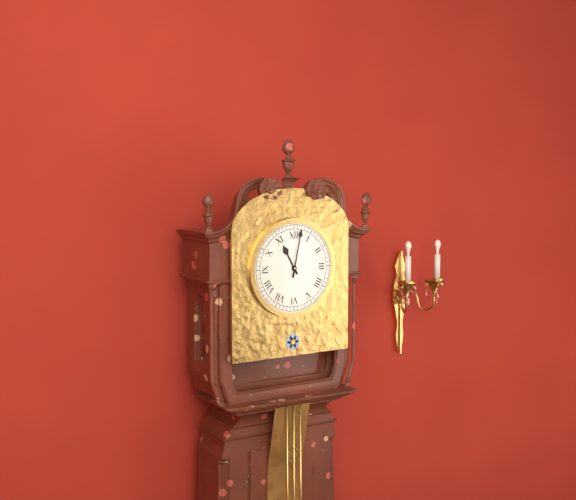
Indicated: **11:02**
